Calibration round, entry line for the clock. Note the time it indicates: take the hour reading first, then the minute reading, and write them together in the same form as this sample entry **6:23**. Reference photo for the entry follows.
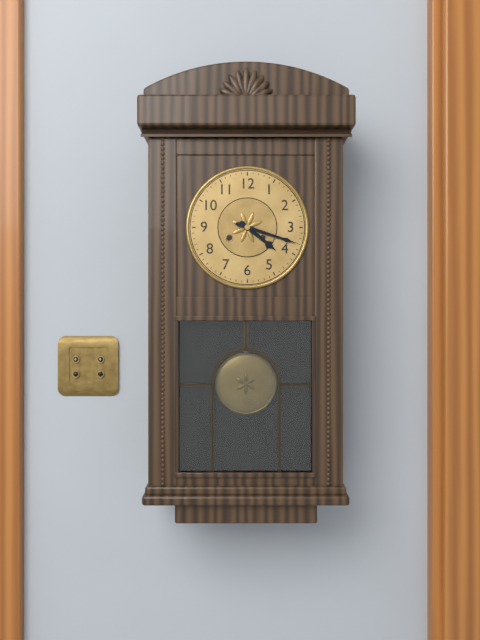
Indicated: **4:18**
